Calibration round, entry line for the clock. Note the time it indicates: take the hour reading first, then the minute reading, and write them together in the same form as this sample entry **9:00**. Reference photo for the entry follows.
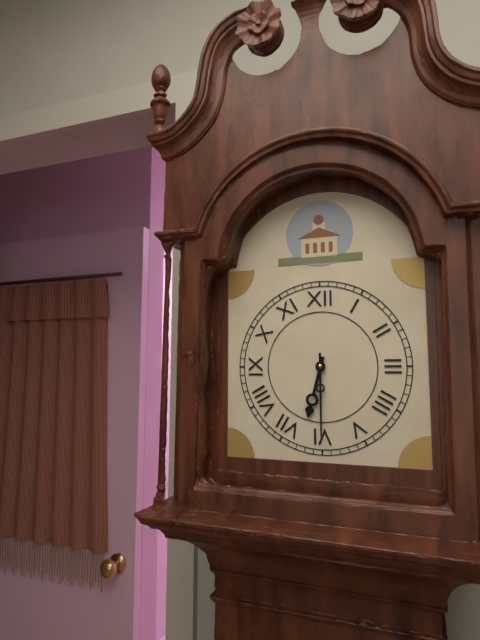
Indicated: **6:30**
